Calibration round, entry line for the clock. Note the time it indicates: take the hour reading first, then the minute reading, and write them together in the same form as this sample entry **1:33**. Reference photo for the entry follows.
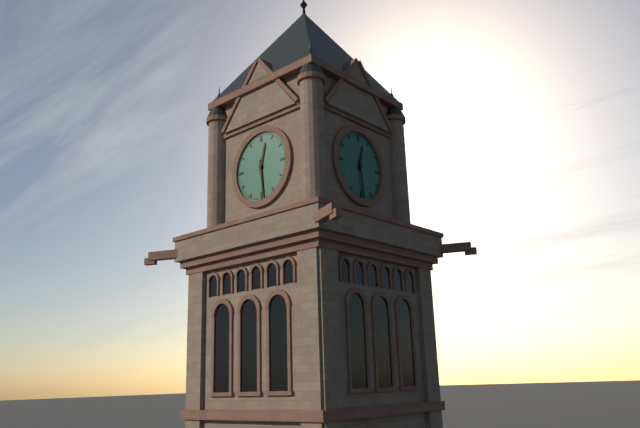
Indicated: **12:29**
